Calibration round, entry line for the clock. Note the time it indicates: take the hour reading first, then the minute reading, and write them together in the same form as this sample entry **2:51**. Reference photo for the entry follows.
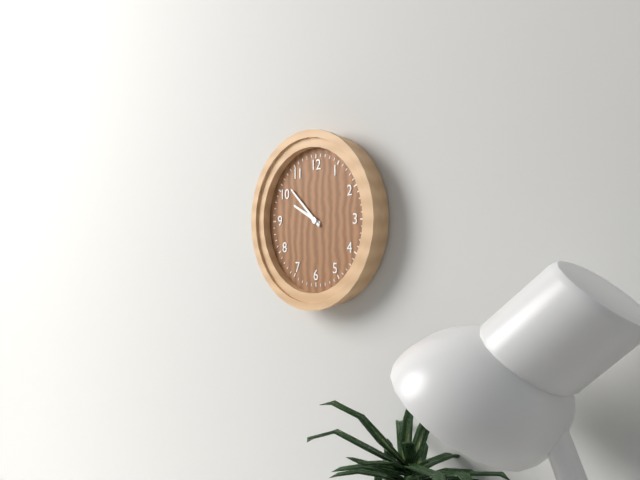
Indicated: **9:52**
